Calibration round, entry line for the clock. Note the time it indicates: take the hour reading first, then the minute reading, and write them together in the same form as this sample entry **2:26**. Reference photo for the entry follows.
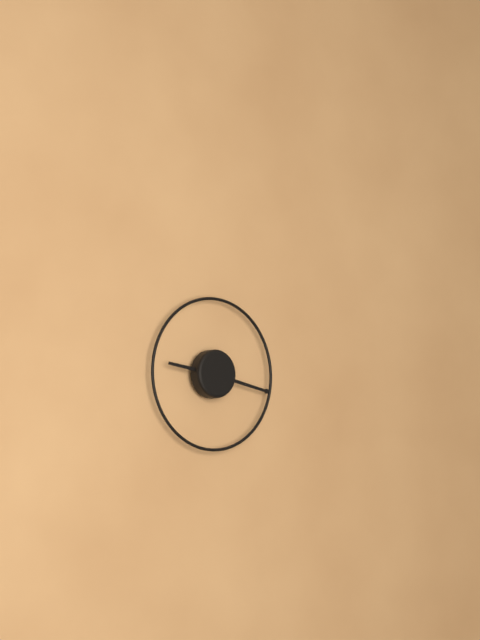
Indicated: **9:17**
